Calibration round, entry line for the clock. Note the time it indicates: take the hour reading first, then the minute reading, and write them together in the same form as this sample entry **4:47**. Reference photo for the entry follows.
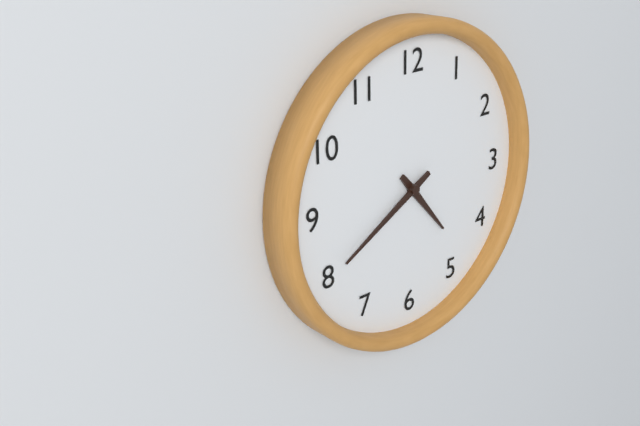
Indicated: **4:40**
